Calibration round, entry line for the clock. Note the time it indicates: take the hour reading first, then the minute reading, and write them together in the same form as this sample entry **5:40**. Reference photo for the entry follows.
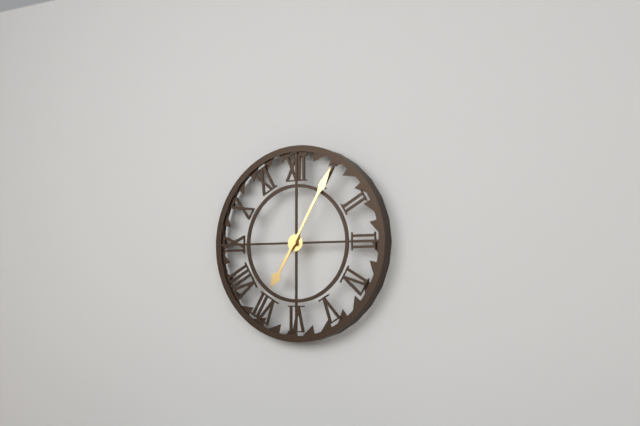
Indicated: **7:05**
